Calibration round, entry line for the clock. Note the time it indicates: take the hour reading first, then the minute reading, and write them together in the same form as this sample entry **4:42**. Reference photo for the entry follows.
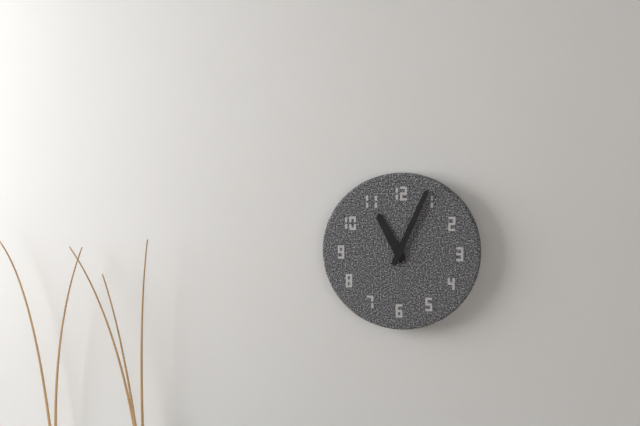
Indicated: **11:04**
